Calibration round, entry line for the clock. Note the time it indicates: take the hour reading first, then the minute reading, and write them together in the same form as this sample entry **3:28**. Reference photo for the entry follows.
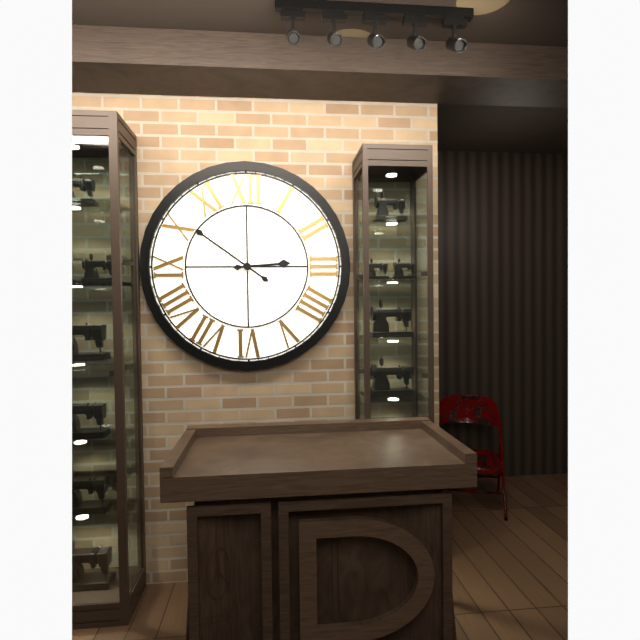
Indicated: **2:51**
